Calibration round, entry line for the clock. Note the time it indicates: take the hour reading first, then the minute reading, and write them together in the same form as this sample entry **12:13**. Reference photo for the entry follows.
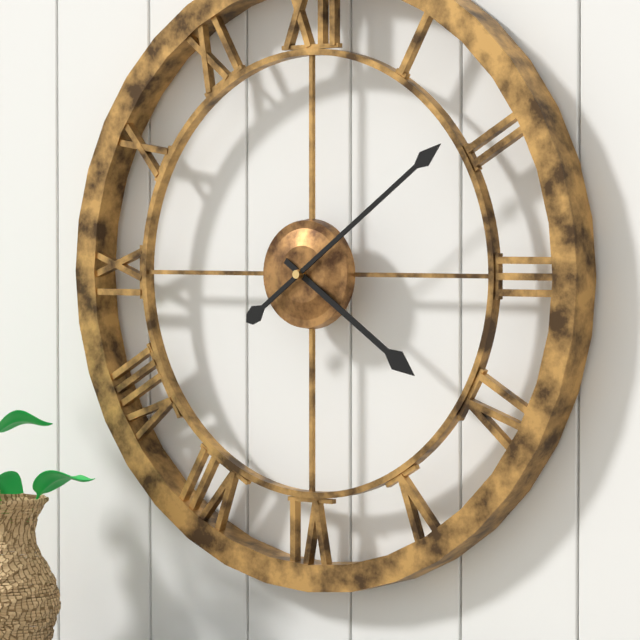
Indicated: **4:09**
